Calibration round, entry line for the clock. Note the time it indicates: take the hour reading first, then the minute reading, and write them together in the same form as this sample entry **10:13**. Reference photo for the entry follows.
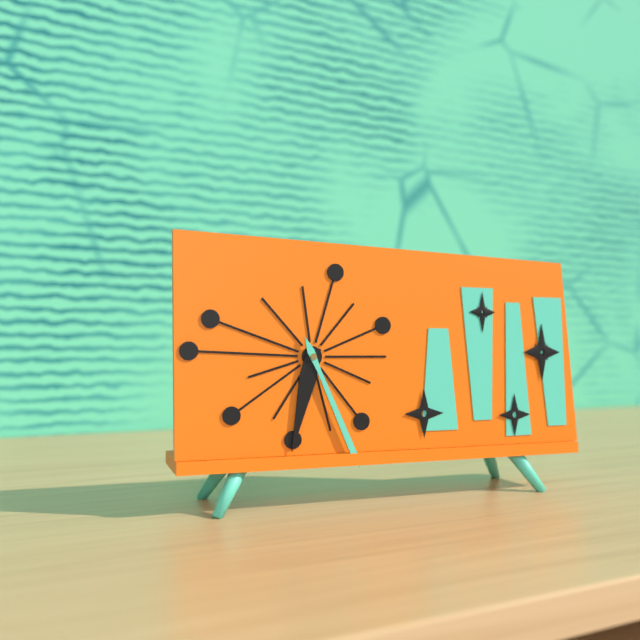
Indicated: **6:26**
